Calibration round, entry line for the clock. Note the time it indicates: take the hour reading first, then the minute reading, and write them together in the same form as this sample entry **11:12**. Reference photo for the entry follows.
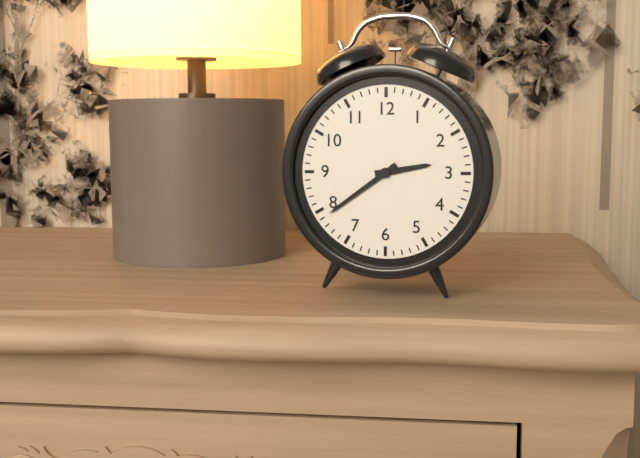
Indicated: **2:39**
